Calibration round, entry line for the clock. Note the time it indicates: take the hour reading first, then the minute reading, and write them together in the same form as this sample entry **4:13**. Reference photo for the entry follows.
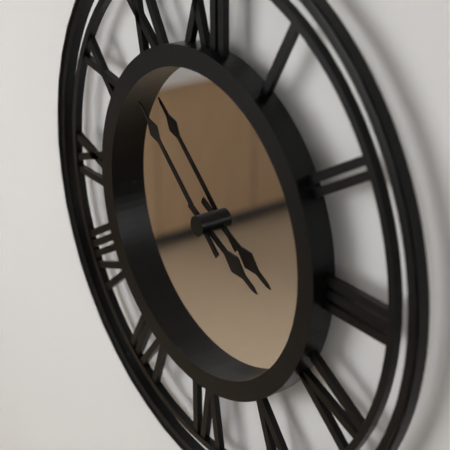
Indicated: **3:52**
